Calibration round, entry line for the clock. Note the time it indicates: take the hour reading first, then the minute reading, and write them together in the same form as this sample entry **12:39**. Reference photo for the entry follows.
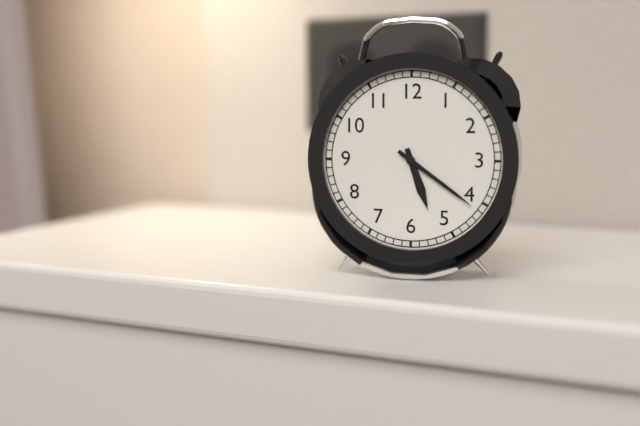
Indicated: **5:21**
